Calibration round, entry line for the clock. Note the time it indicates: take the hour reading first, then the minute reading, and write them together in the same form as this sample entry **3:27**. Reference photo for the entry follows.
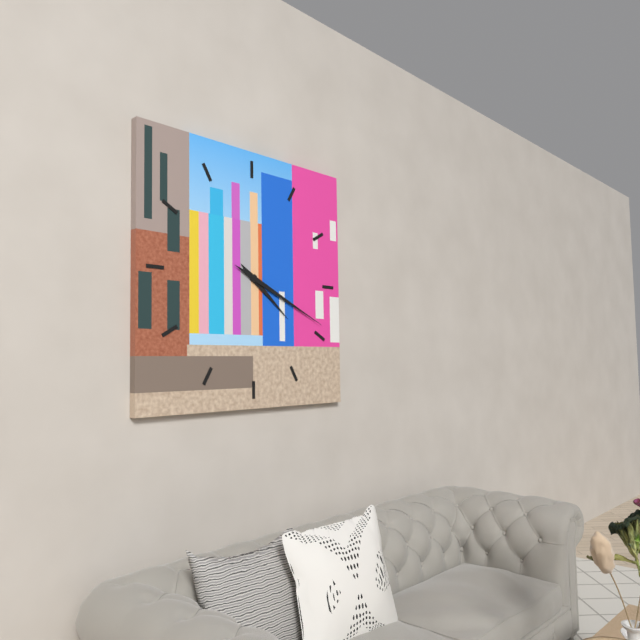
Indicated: **4:19**
